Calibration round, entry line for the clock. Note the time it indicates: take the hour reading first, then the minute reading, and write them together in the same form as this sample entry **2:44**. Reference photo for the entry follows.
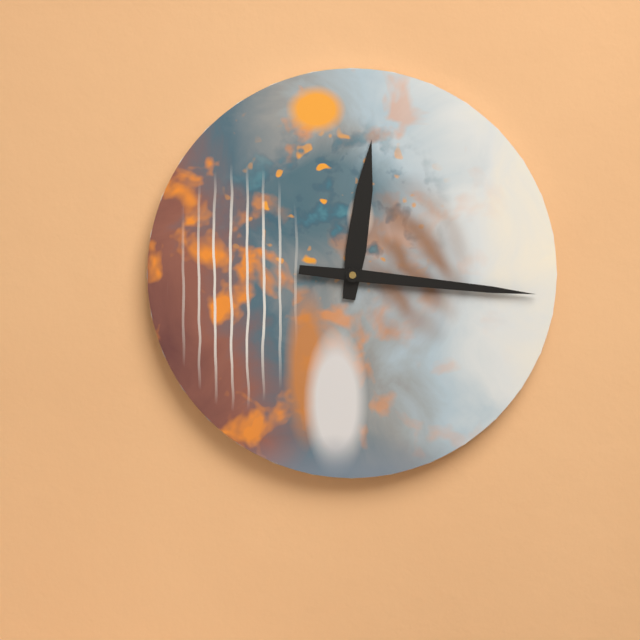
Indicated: **12:16**
